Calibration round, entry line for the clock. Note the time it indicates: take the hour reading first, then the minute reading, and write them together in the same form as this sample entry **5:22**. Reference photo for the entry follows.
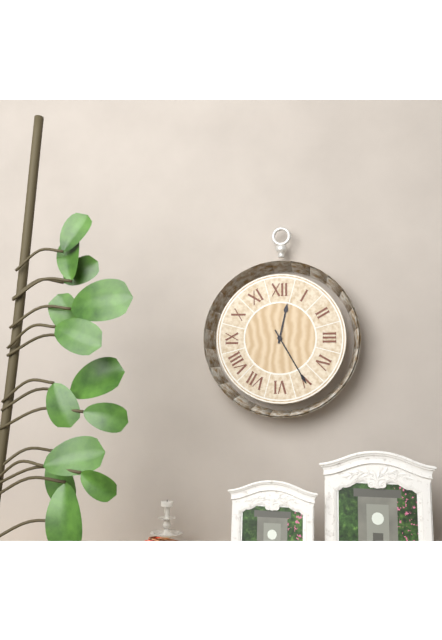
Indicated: **12:25**
